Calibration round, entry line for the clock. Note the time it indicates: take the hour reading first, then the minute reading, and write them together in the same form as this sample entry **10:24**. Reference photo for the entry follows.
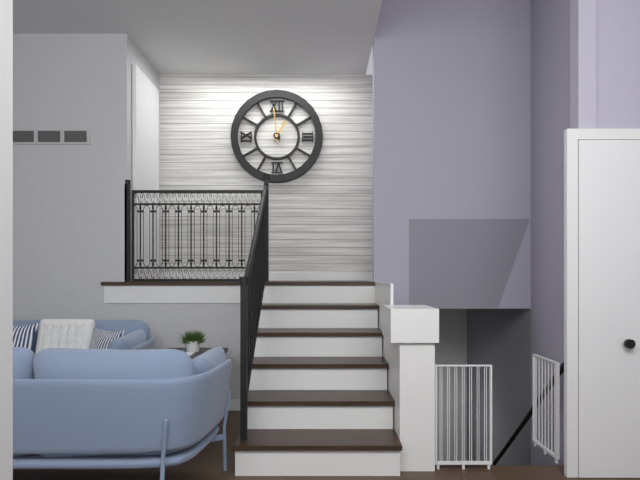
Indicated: **12:59**
